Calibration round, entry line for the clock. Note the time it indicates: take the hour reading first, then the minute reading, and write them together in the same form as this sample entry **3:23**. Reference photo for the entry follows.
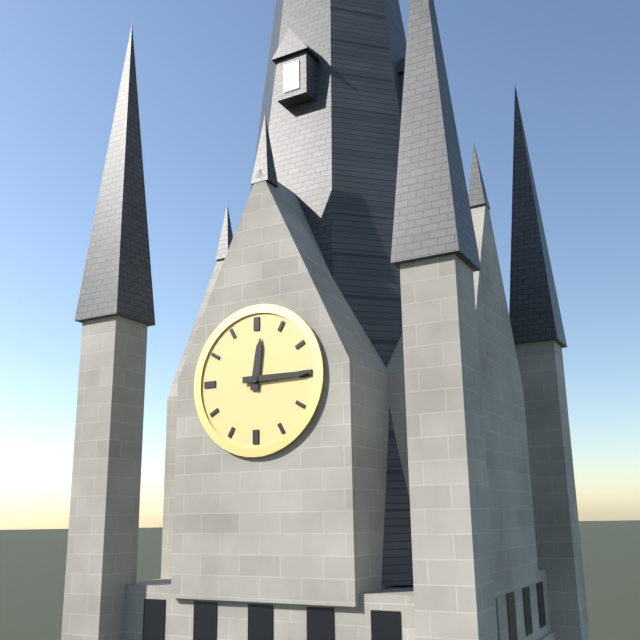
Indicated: **12:15**
